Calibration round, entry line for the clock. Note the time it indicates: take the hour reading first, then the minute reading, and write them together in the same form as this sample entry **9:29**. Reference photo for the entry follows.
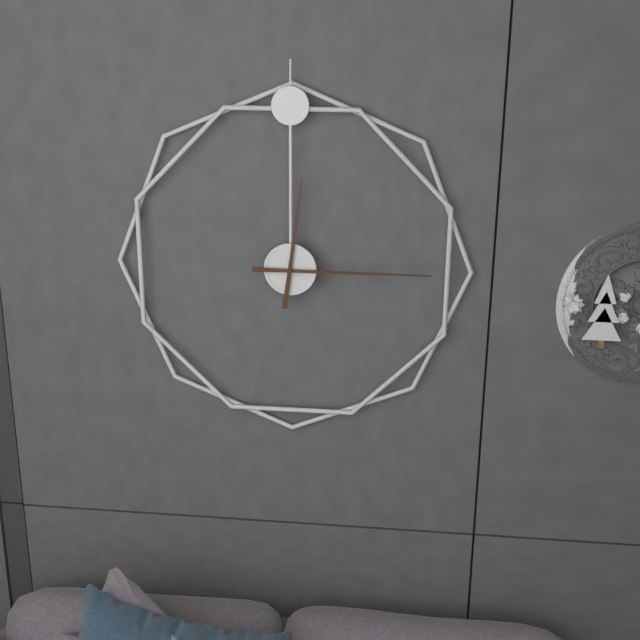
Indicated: **12:15**
